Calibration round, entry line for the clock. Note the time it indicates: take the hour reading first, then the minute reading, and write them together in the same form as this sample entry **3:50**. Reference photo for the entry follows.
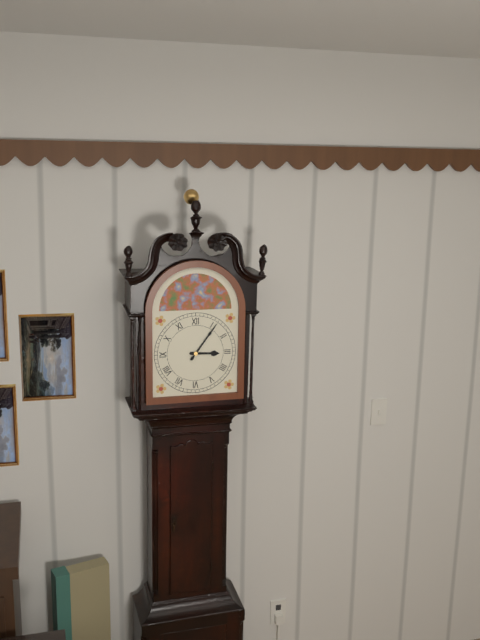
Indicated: **3:06**
